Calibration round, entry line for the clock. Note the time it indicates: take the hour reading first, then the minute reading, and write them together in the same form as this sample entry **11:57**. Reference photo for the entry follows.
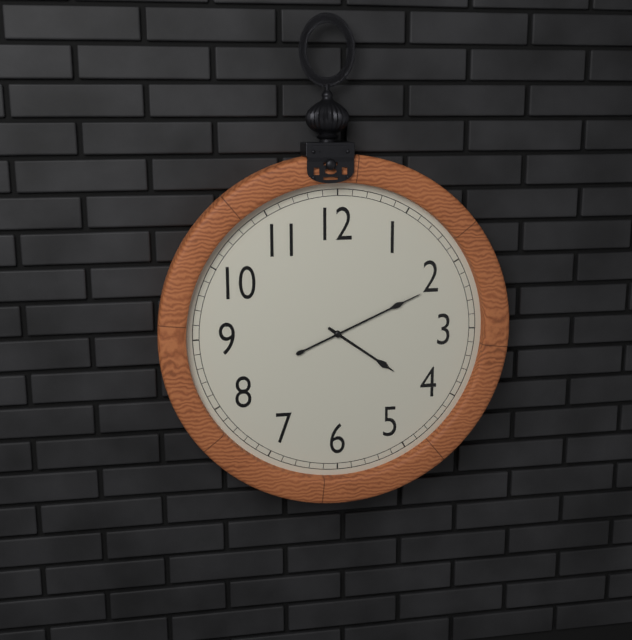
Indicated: **4:11**
